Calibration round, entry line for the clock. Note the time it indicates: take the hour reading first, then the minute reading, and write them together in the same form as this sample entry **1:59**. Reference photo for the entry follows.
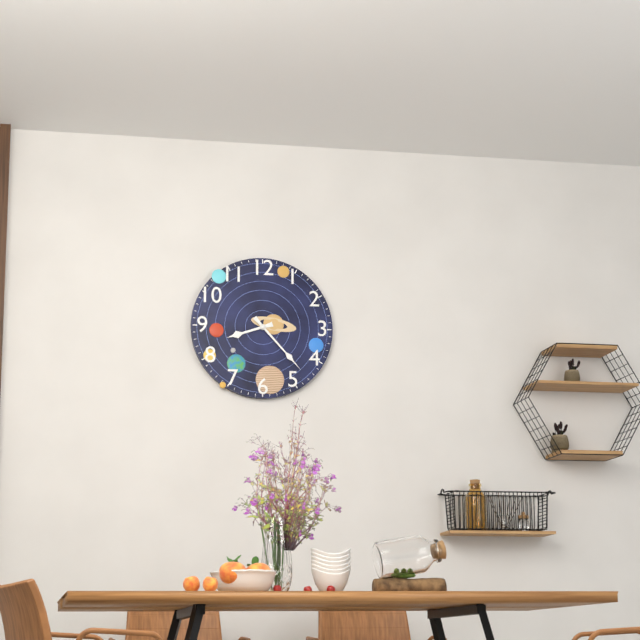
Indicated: **8:23**
